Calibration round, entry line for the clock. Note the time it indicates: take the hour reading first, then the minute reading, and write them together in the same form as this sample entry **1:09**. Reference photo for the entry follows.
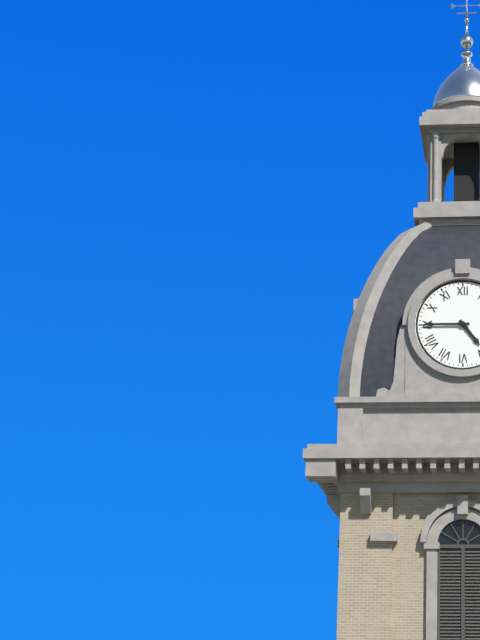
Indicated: **4:45**
